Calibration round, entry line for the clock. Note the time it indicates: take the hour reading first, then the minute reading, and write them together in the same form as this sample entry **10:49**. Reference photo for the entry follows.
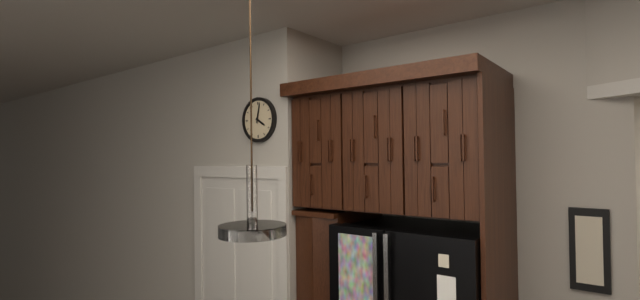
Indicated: **4:02**
